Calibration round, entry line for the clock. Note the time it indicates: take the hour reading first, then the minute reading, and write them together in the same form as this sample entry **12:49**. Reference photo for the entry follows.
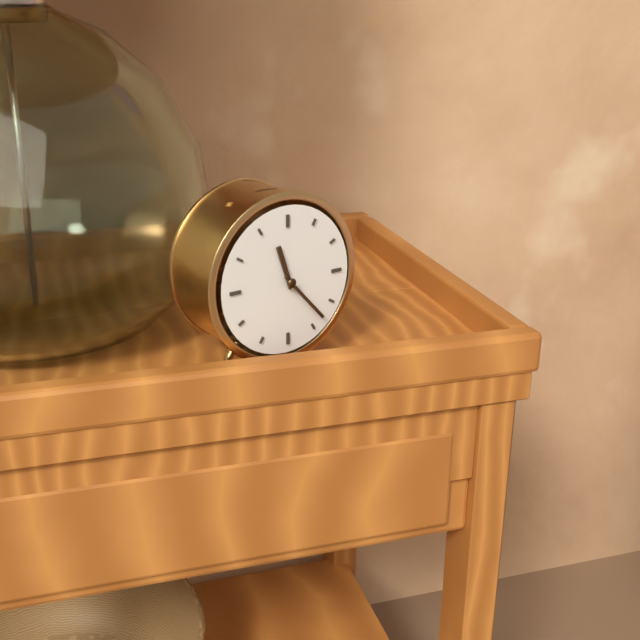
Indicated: **11:23**
